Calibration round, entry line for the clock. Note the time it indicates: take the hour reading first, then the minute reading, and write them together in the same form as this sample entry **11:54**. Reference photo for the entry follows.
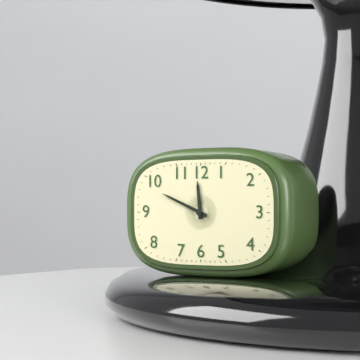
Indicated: **11:49**
